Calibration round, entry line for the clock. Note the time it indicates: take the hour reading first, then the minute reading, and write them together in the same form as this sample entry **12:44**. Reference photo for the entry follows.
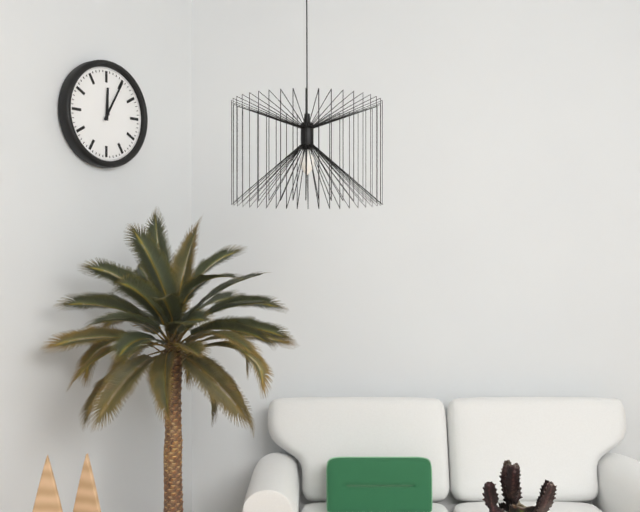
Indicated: **12:05**
